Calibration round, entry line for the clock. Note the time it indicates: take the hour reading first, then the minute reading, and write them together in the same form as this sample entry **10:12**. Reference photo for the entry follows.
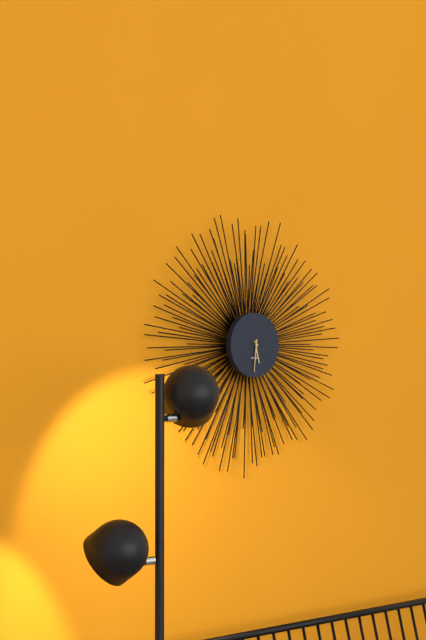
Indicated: **5:31**
